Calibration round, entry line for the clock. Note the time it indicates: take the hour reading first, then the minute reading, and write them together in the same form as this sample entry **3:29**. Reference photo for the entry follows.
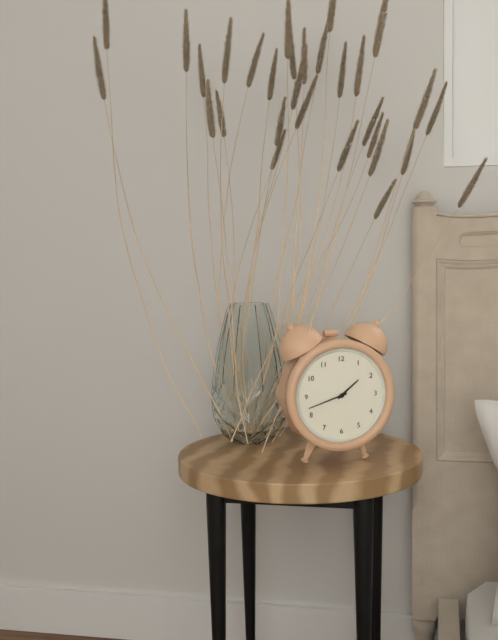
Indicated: **1:42**
